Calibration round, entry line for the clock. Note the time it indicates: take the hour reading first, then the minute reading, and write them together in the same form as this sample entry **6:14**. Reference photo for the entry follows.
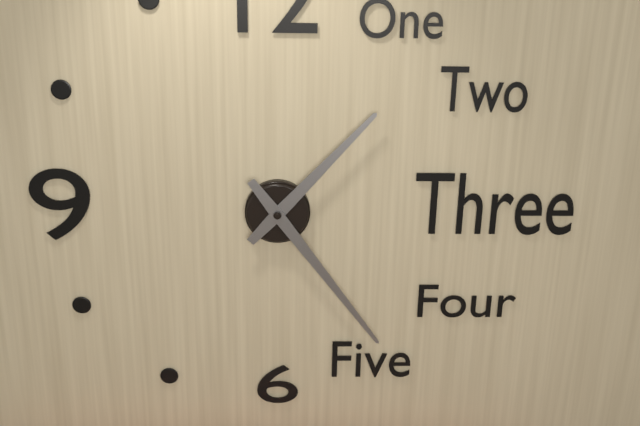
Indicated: **1:24**
